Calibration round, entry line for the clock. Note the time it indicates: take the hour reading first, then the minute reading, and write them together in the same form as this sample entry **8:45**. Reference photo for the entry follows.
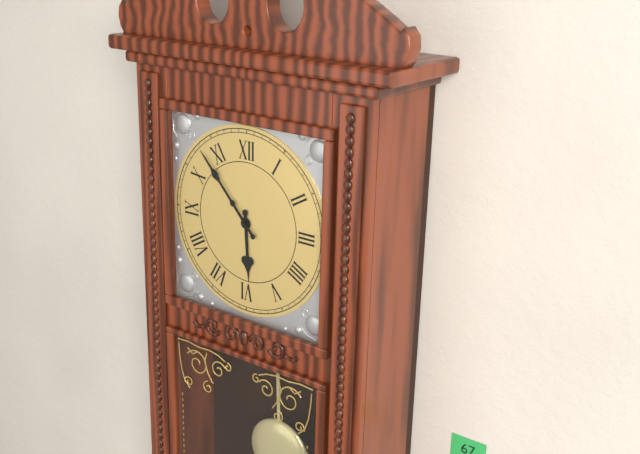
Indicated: **5:53**
